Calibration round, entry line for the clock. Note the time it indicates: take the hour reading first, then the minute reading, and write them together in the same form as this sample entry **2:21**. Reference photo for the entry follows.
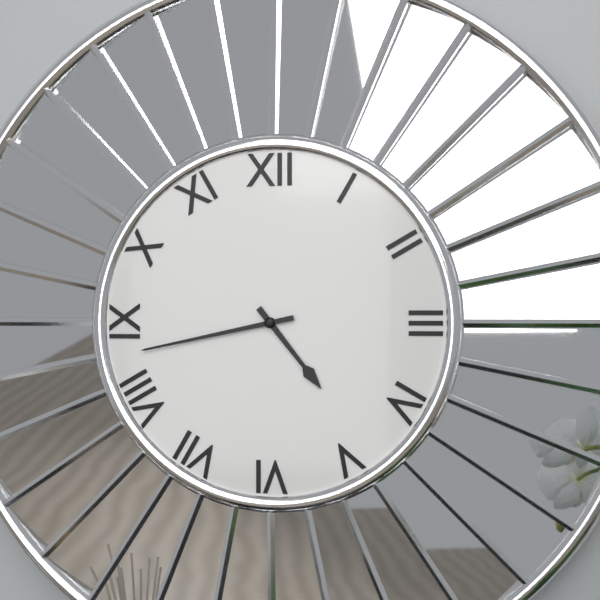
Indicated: **4:43**
